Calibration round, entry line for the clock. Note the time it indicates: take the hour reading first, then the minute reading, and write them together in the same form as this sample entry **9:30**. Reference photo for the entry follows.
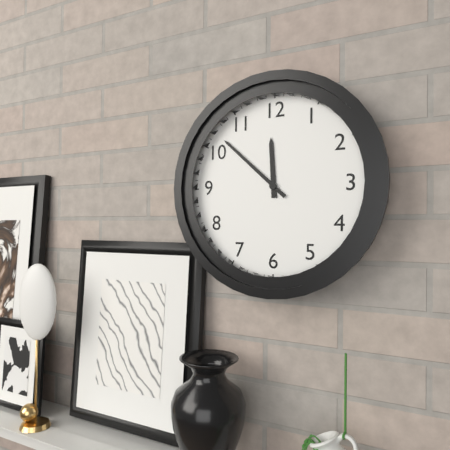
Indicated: **11:52**
